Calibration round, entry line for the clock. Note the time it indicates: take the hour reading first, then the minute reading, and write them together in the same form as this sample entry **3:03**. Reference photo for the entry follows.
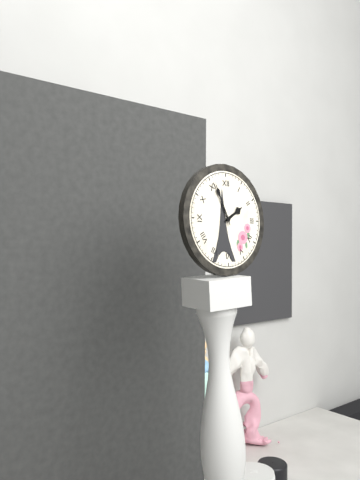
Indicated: **1:56**
